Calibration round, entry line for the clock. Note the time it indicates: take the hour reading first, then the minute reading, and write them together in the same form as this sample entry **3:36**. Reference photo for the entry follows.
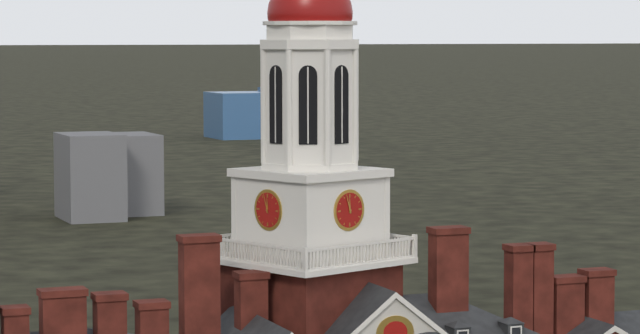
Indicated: **11:57**
